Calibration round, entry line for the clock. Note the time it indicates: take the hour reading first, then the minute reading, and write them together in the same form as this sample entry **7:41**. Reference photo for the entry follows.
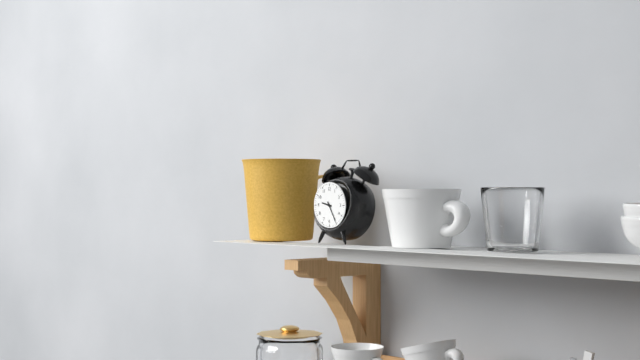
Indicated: **9:25**
